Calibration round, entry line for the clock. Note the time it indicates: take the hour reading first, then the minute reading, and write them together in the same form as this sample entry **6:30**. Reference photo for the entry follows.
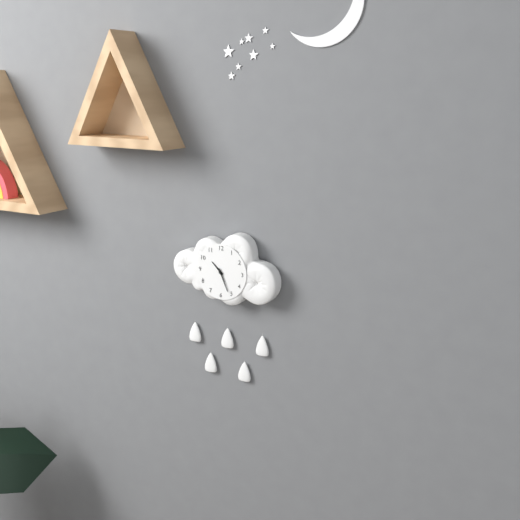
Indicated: **10:26**
